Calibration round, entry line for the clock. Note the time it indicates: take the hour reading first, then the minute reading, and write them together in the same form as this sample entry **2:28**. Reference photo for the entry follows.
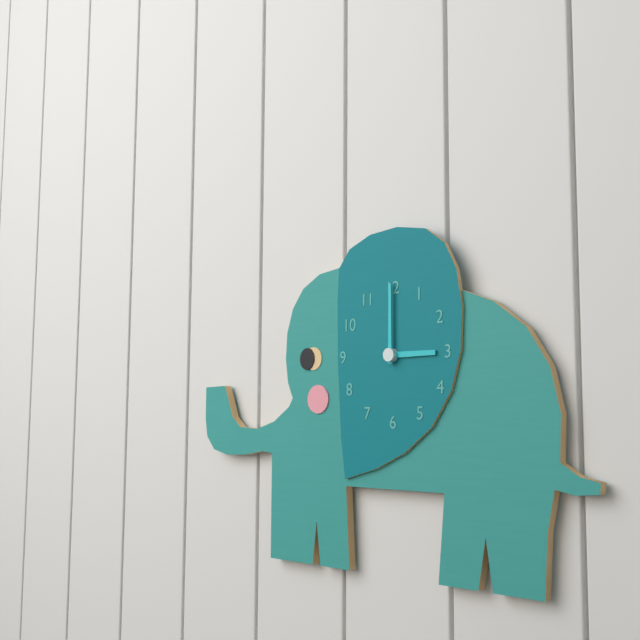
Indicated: **3:00**
